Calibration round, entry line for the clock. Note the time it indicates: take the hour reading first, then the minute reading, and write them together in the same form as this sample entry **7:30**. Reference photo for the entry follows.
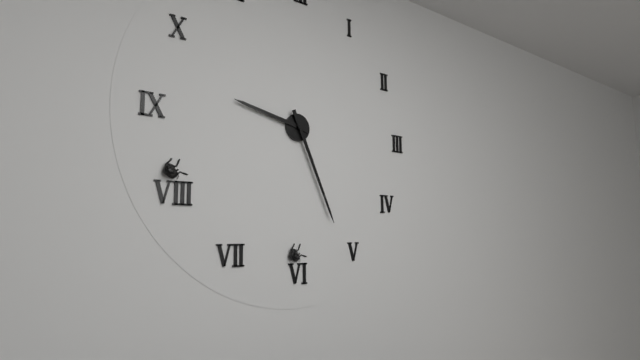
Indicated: **9:26**
